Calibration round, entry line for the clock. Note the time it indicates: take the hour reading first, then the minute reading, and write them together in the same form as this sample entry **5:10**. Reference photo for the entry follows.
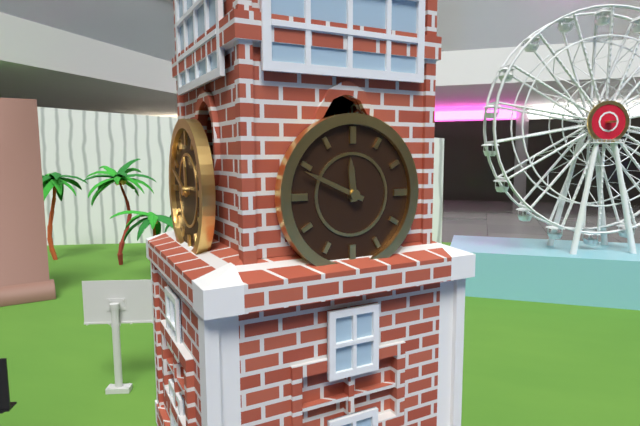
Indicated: **11:49**
